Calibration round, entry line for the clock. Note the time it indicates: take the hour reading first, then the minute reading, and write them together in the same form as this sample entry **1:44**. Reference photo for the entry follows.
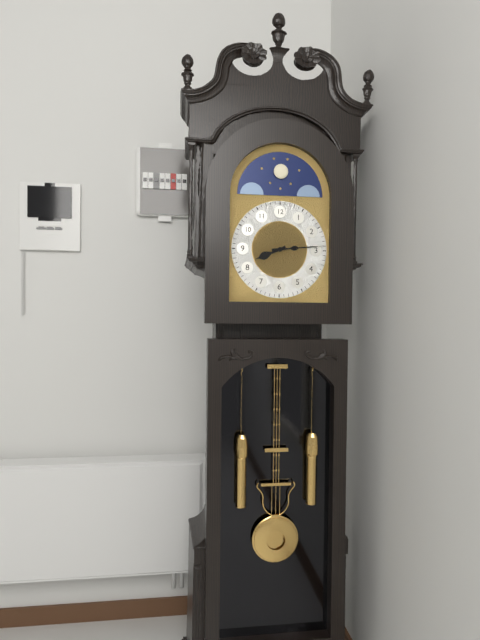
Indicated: **8:14**
